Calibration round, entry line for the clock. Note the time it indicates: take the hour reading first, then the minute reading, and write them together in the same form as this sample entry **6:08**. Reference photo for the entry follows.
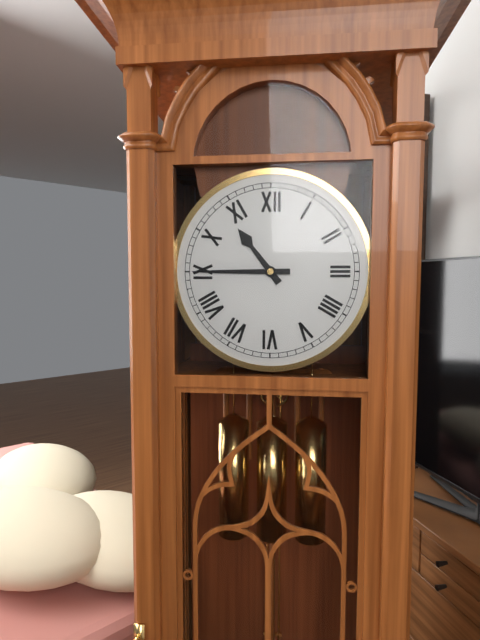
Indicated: **10:45**
